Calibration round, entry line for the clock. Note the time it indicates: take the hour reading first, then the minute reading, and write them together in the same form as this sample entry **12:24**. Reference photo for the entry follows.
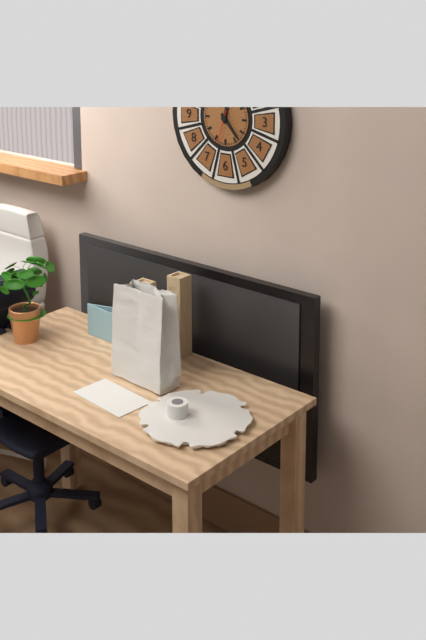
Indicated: **12:23**
